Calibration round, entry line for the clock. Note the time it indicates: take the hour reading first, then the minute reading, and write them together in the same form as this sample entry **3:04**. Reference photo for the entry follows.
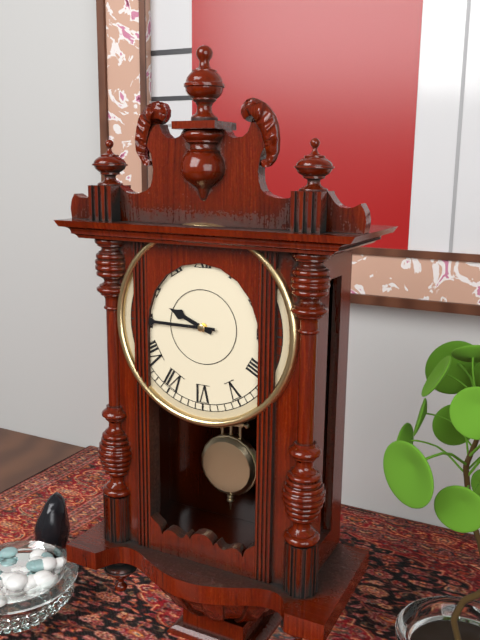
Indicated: **9:45**
